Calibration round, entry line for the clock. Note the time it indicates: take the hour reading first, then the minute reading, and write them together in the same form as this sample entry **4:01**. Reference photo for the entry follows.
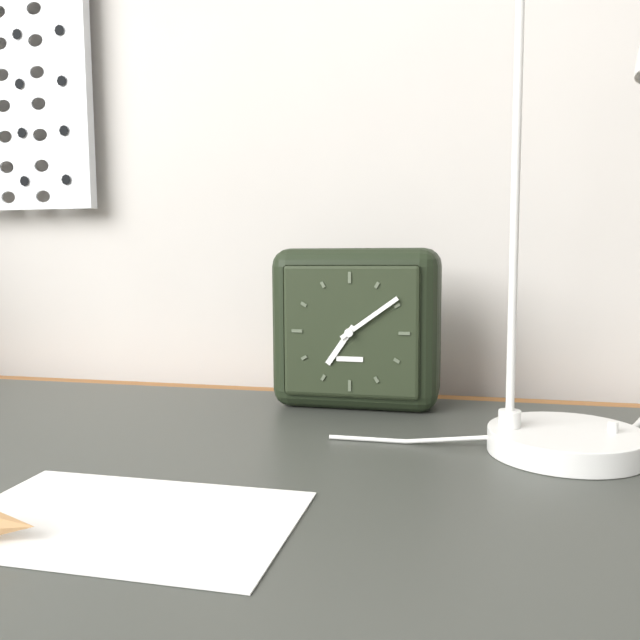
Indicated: **7:09**
